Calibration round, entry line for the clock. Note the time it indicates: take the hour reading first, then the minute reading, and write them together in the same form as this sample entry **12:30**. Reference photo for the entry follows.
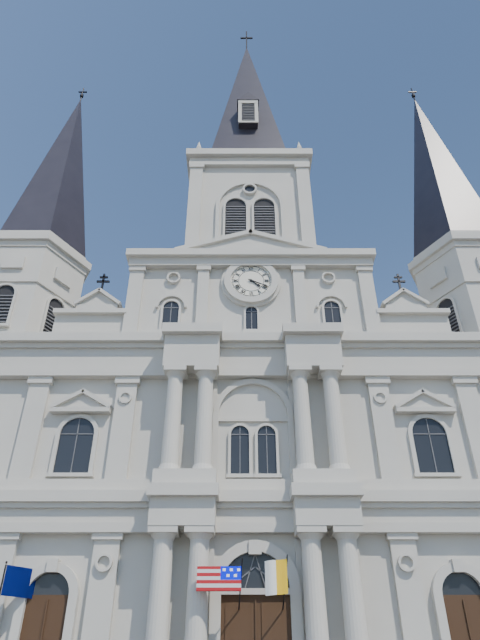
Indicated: **4:19**
